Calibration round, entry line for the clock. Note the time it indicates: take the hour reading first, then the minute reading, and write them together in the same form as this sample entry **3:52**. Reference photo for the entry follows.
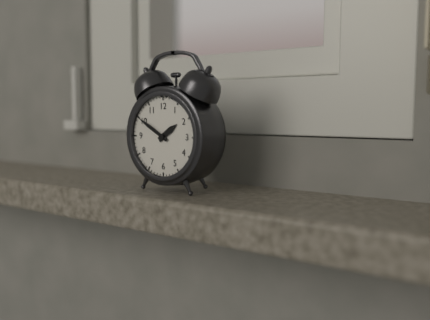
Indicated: **1:50**
